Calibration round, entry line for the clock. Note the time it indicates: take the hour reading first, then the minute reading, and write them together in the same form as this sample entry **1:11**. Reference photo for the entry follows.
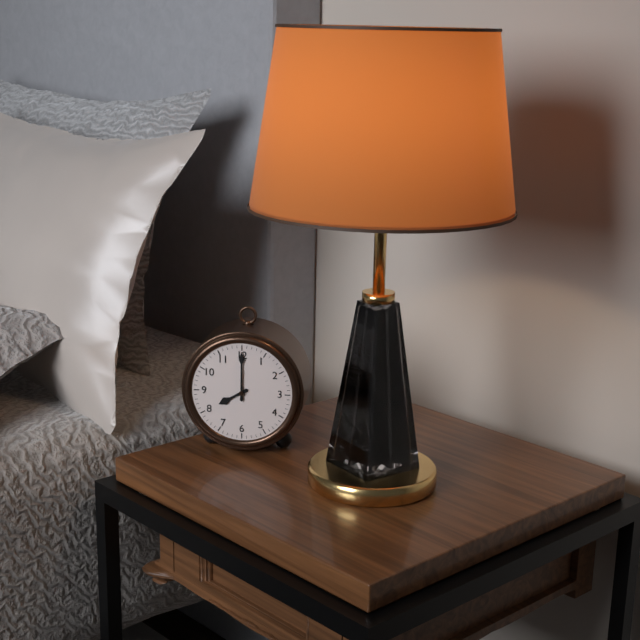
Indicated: **8:00**
